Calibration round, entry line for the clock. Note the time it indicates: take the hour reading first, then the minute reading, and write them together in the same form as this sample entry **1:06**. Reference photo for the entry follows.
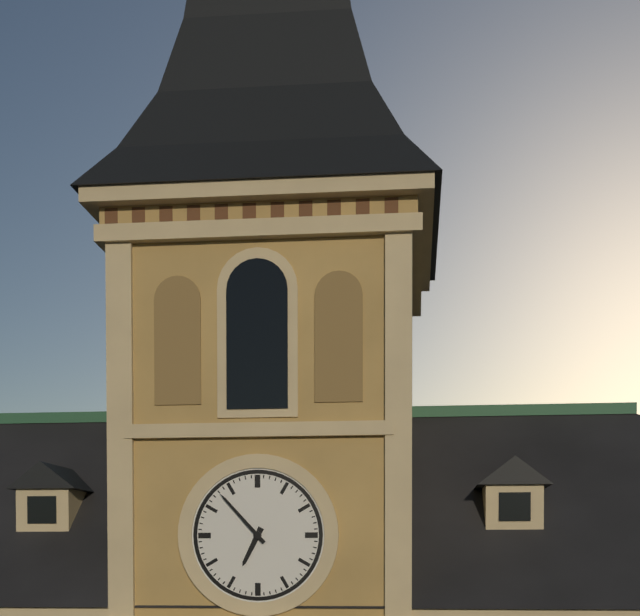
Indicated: **6:53**
